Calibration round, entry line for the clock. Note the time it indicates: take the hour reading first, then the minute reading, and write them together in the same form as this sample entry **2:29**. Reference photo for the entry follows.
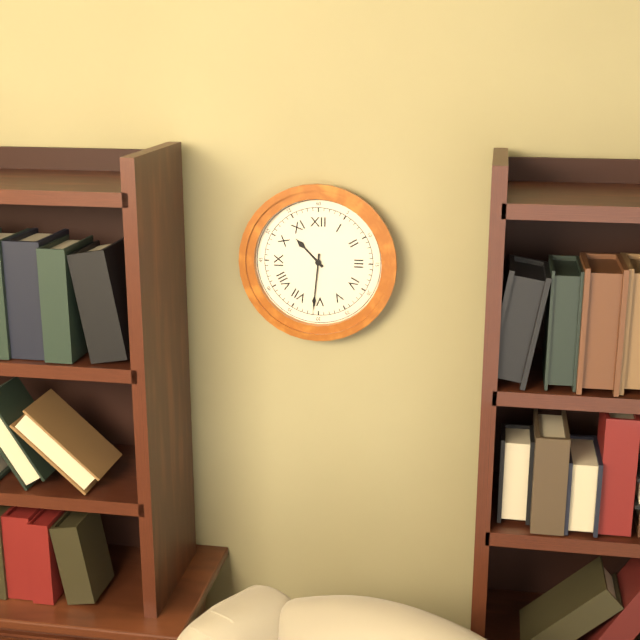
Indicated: **10:31**
